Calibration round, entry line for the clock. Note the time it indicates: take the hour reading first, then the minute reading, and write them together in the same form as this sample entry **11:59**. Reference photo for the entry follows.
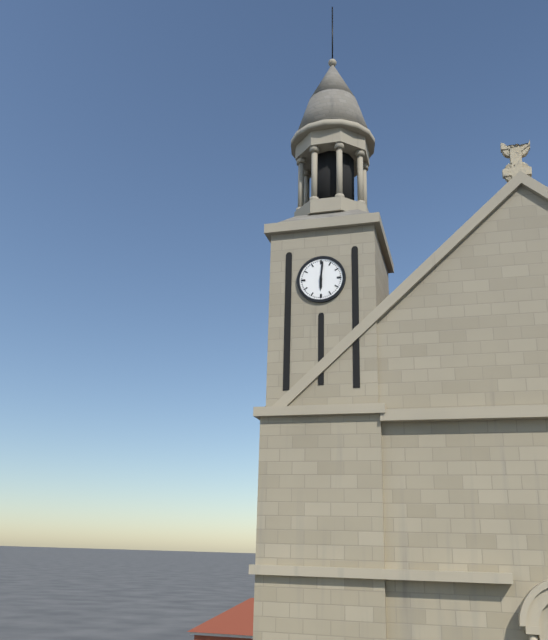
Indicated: **6:01**
